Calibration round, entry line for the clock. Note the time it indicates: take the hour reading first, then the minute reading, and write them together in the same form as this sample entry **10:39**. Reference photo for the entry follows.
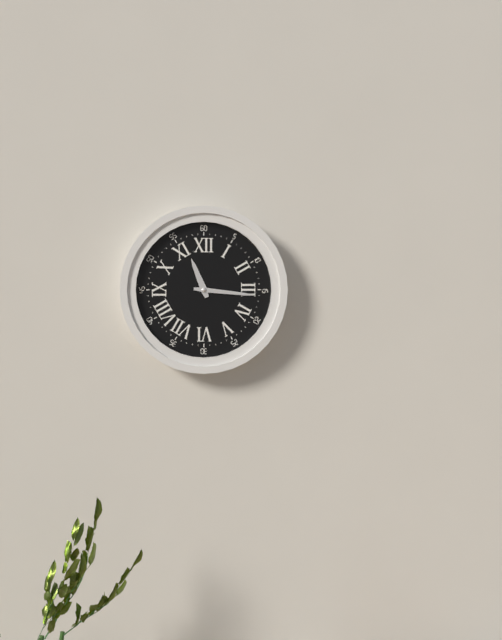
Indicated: **11:16**
